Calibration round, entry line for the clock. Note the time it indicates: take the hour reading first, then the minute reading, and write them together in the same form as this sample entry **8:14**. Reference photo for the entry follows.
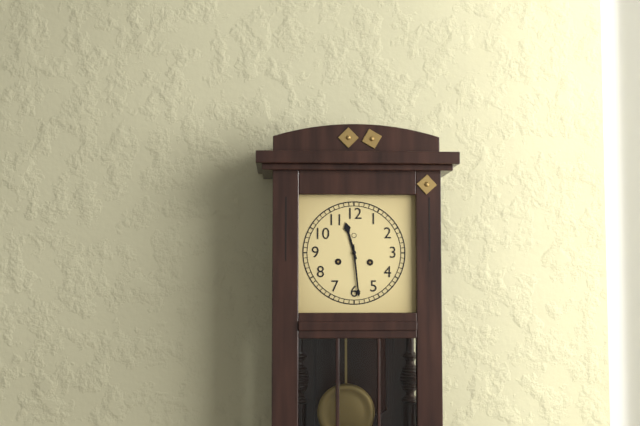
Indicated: **11:29**
